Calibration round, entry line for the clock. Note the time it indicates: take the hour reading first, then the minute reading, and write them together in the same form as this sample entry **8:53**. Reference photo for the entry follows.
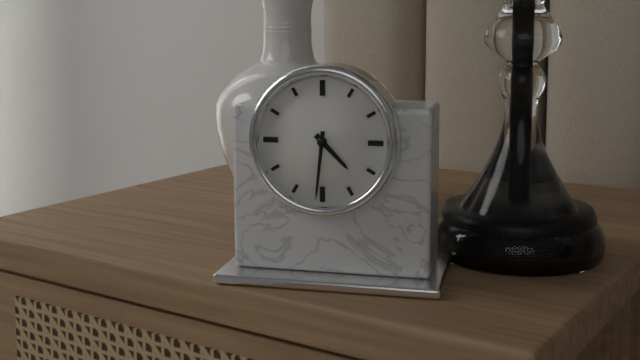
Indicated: **4:31**
